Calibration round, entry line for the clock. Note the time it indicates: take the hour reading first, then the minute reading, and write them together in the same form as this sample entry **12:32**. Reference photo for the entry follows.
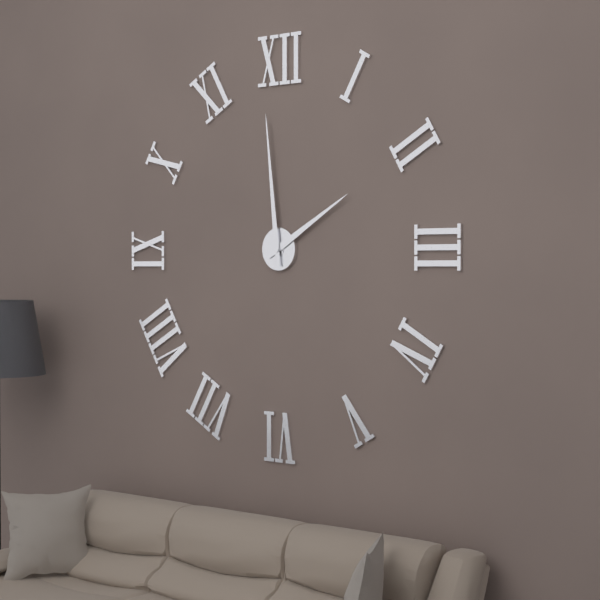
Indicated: **1:59**
